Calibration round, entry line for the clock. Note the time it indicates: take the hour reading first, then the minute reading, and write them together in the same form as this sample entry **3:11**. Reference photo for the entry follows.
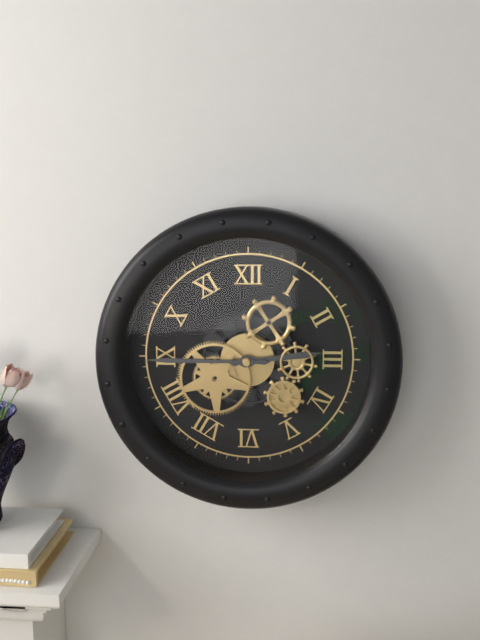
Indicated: **2:45**
